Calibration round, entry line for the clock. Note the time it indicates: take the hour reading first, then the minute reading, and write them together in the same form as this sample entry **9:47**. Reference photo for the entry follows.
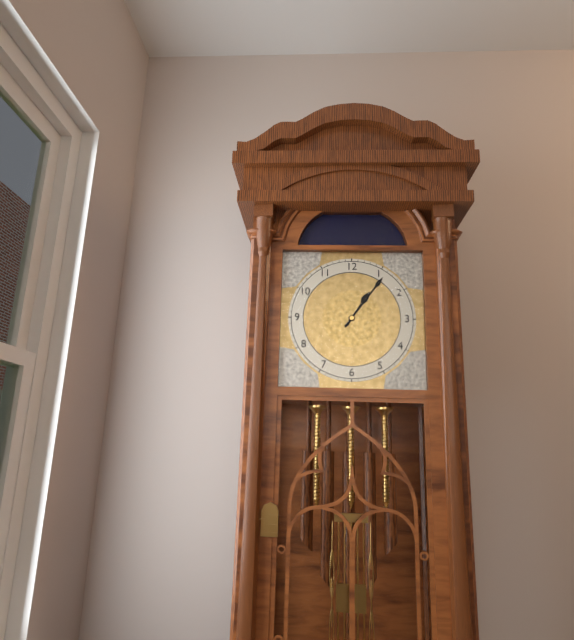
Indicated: **1:06**
